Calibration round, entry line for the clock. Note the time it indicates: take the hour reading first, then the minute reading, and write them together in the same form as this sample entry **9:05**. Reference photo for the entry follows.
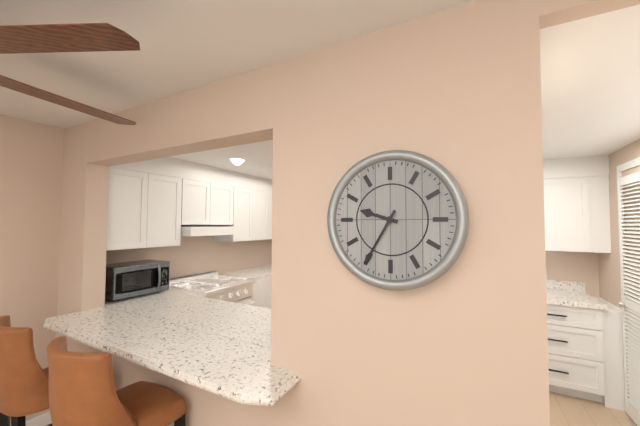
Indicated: **9:35**
